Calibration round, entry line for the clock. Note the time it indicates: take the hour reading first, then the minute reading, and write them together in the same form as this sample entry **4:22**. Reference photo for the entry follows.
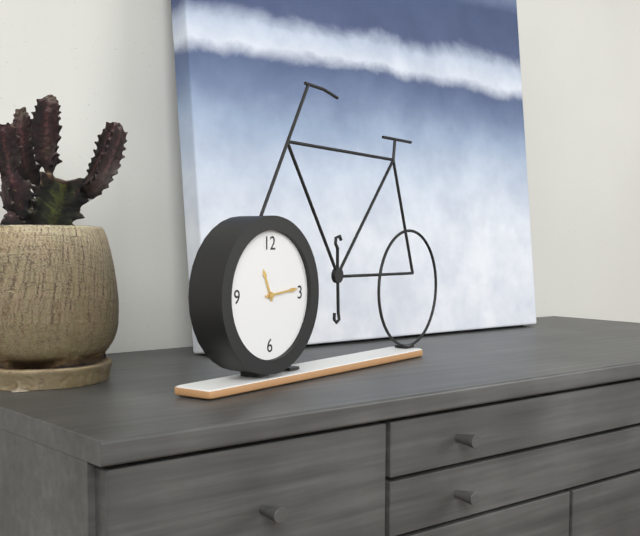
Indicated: **11:14**
